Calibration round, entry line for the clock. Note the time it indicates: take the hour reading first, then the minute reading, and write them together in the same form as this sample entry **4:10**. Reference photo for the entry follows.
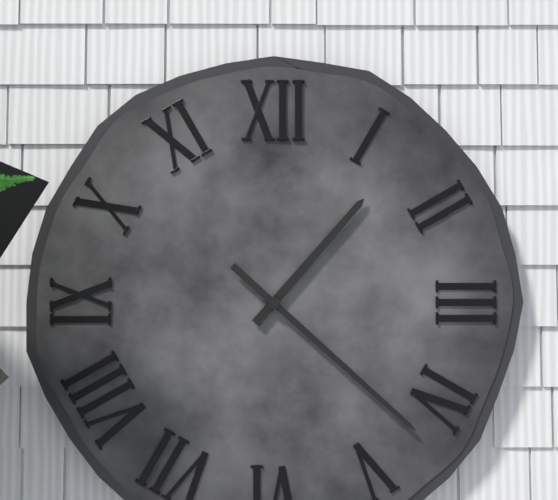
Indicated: **1:22**
